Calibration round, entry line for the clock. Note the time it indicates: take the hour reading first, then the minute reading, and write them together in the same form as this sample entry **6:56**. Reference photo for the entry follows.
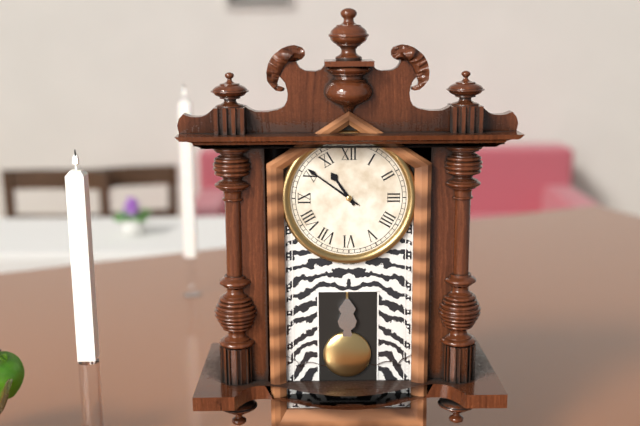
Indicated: **10:51**
